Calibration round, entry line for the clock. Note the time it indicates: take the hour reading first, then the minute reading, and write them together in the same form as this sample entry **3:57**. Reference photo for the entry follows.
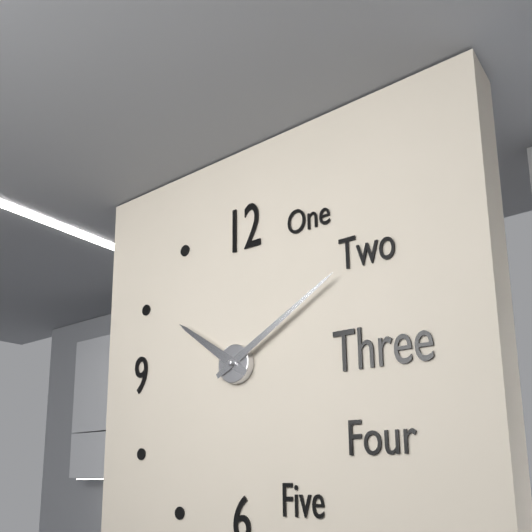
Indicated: **10:10**
